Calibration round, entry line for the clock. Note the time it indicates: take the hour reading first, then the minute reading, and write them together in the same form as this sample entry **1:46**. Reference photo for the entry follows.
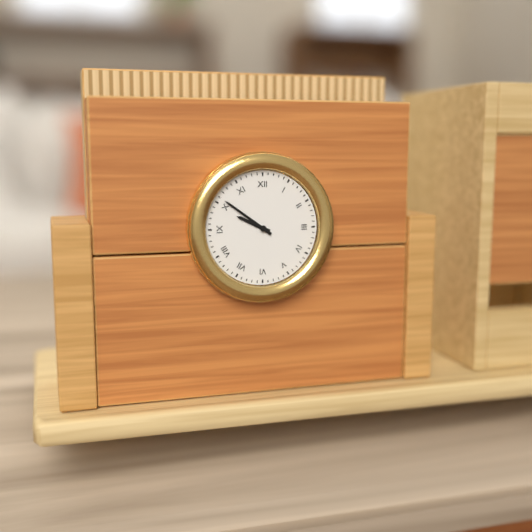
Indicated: **9:51**
